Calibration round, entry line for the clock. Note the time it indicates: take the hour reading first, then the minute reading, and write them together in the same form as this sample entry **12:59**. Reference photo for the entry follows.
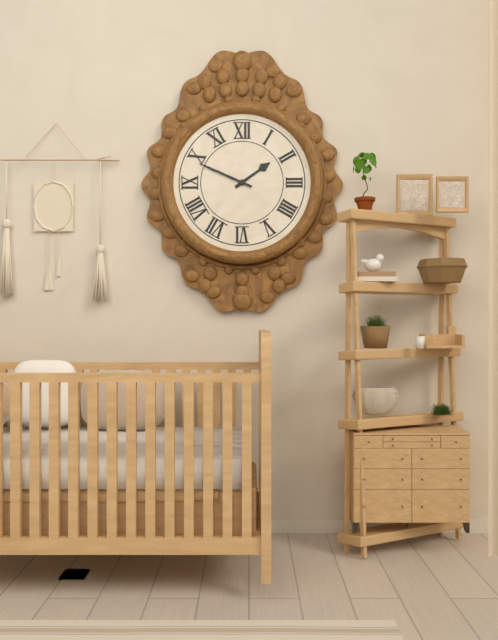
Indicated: **1:49**
